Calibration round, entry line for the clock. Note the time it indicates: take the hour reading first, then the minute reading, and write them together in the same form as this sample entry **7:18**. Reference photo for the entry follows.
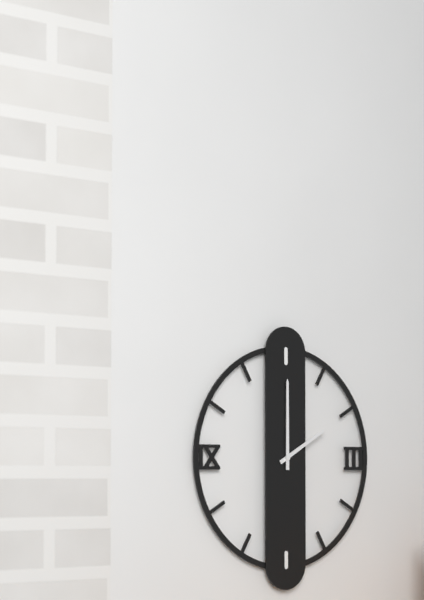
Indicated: **2:00**
